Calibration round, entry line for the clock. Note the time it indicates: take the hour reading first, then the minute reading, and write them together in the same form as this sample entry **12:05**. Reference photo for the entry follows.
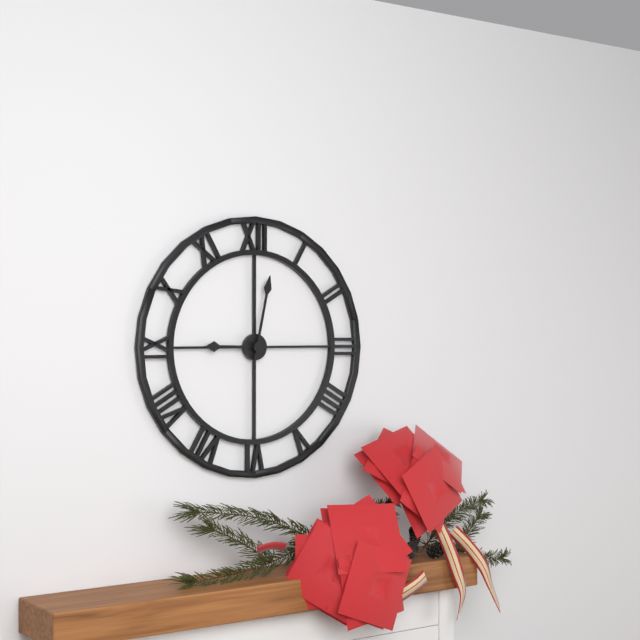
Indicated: **9:02**
